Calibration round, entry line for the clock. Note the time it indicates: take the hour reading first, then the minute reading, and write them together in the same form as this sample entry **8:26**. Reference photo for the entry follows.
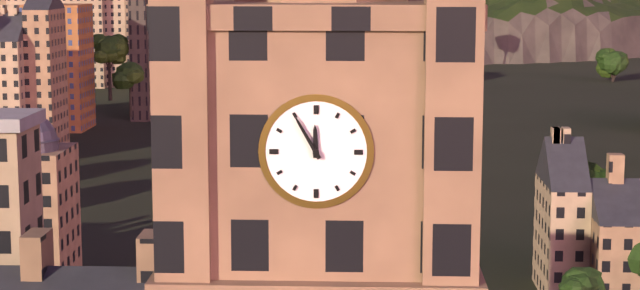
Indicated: **11:55**
